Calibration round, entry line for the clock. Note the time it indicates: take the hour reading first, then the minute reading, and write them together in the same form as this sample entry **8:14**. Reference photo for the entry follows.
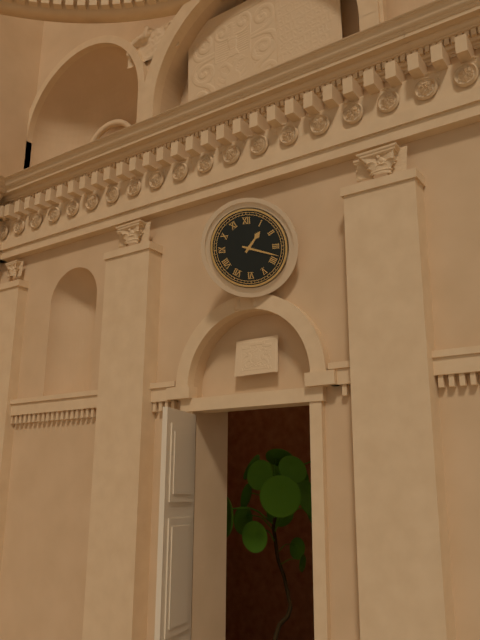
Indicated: **1:18**
